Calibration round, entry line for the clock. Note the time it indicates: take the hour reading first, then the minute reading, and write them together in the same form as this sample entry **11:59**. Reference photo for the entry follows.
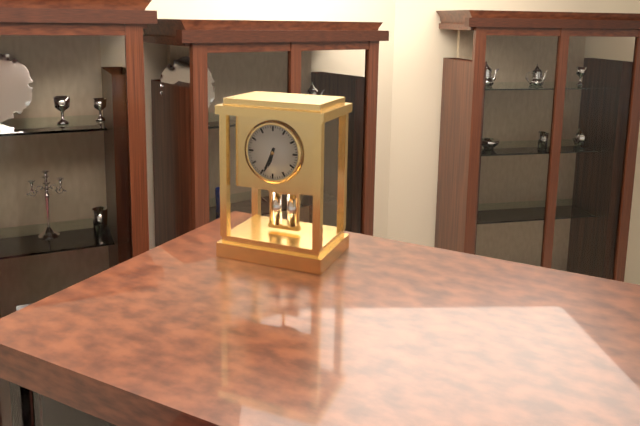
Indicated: **6:34**
